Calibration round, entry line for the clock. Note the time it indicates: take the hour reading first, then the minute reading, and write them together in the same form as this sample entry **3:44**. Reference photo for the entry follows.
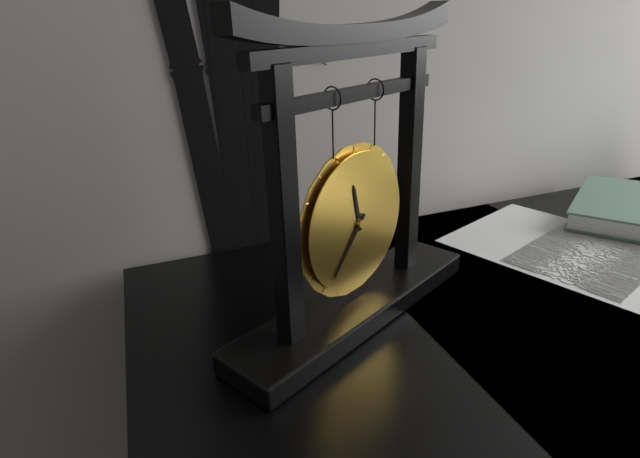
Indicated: **11:37**
